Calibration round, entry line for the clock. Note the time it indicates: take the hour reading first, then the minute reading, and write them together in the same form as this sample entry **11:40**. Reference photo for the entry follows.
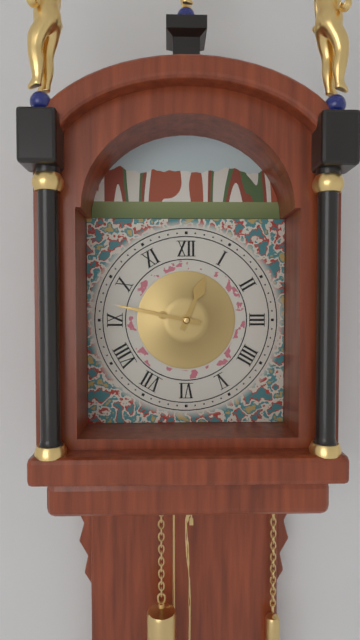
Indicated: **12:47**
